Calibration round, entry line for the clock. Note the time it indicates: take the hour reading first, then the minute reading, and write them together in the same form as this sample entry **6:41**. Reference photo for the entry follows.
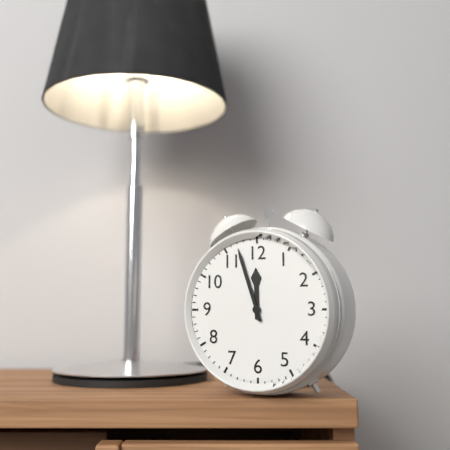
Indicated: **11:57**
